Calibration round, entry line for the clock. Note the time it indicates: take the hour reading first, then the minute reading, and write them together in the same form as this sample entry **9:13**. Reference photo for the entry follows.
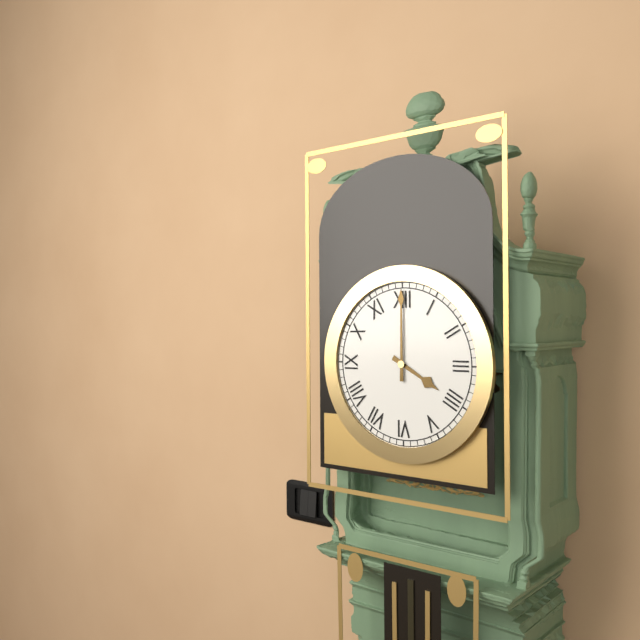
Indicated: **4:00**
